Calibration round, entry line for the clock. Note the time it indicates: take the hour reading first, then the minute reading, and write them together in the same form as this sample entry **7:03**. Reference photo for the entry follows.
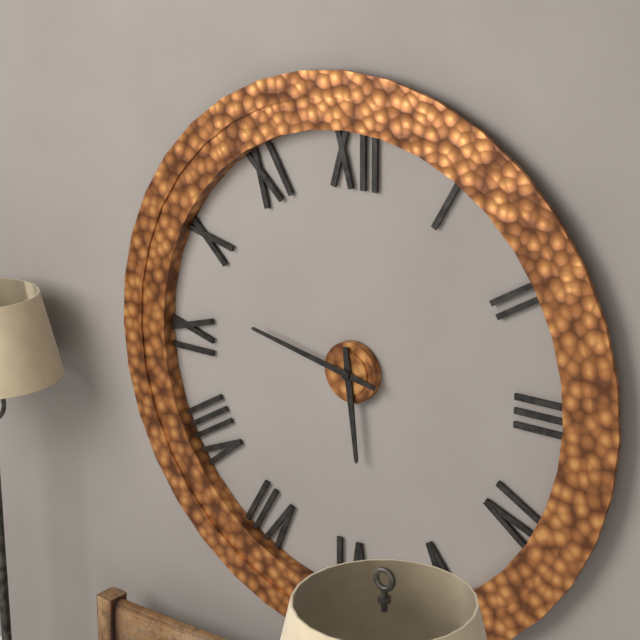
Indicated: **5:47**
